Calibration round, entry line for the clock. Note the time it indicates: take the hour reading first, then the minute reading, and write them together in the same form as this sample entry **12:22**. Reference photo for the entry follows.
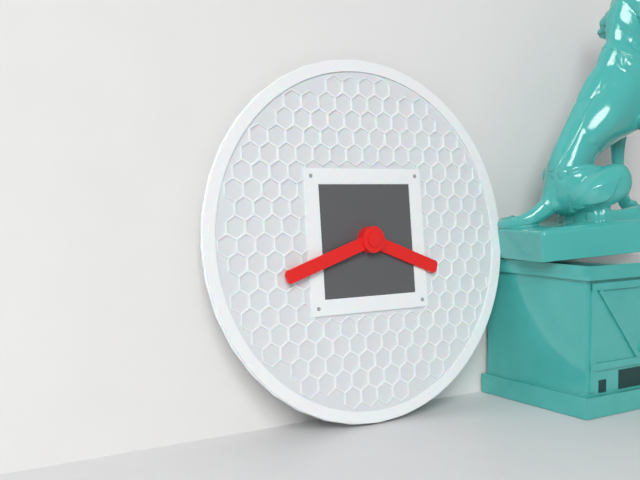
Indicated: **3:42**
